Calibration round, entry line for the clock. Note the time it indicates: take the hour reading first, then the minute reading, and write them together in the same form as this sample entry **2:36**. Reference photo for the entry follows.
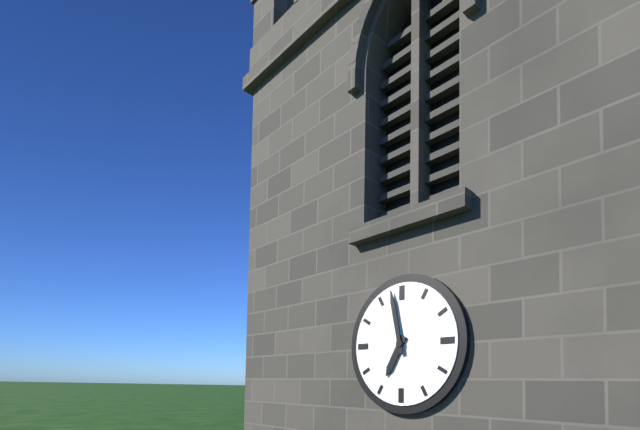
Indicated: **6:58**
